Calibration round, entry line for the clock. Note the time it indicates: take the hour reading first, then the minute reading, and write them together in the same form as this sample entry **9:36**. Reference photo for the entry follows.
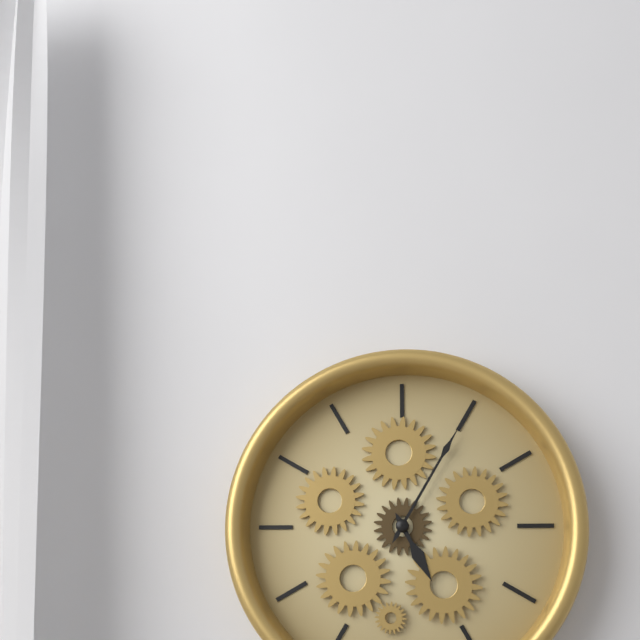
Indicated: **5:05**
